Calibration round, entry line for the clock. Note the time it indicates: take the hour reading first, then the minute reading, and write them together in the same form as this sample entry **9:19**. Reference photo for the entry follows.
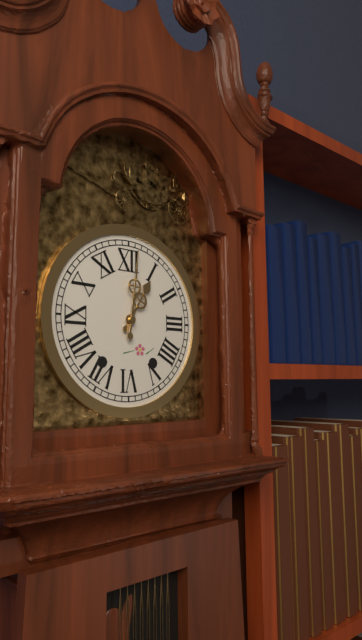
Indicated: **1:01**
